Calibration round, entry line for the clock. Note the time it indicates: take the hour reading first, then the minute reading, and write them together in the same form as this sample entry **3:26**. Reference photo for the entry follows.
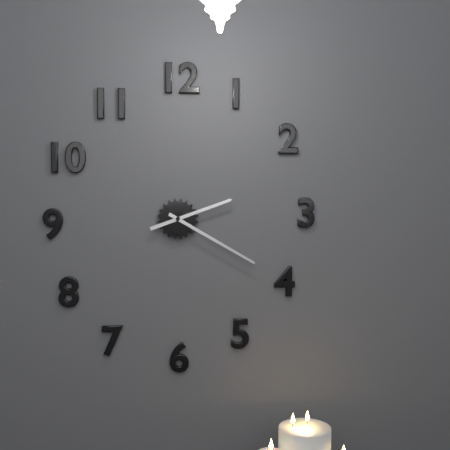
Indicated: **2:20**
